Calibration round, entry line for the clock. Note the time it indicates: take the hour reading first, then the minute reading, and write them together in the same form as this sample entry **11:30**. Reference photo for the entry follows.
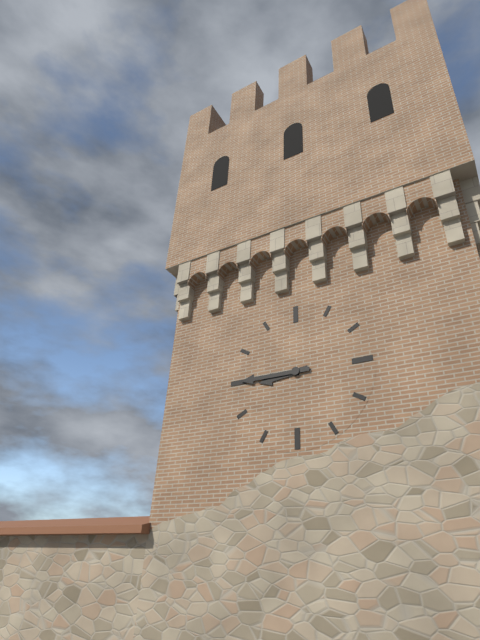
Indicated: **8:45**
